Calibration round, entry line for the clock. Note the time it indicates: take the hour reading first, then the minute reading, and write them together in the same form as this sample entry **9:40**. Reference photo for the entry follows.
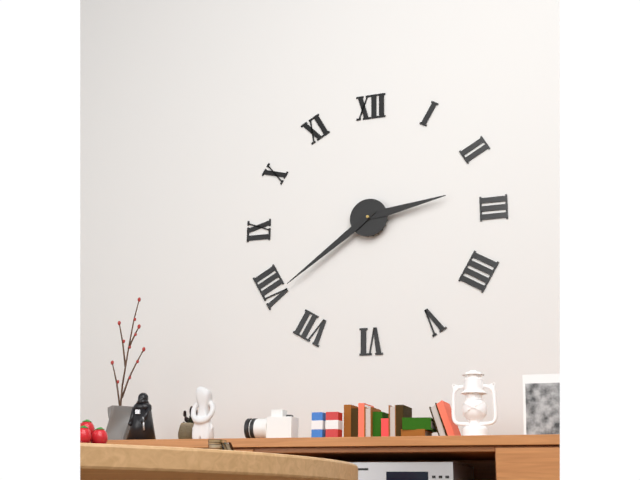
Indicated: **2:39**
